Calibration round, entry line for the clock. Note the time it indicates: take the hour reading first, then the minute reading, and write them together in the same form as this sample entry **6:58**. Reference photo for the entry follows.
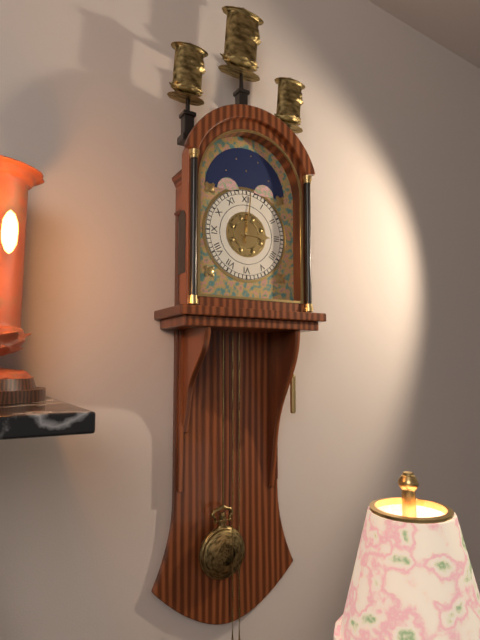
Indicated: **3:01**
